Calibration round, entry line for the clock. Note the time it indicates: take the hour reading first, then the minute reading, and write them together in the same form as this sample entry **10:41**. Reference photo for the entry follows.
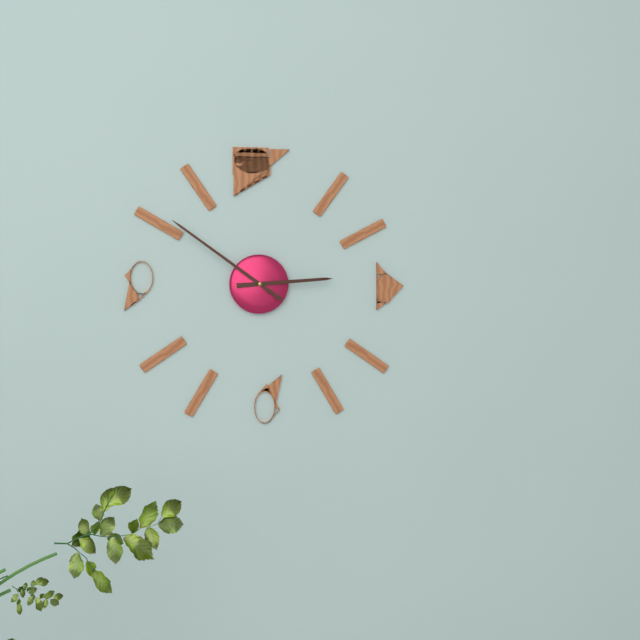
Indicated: **2:51**
